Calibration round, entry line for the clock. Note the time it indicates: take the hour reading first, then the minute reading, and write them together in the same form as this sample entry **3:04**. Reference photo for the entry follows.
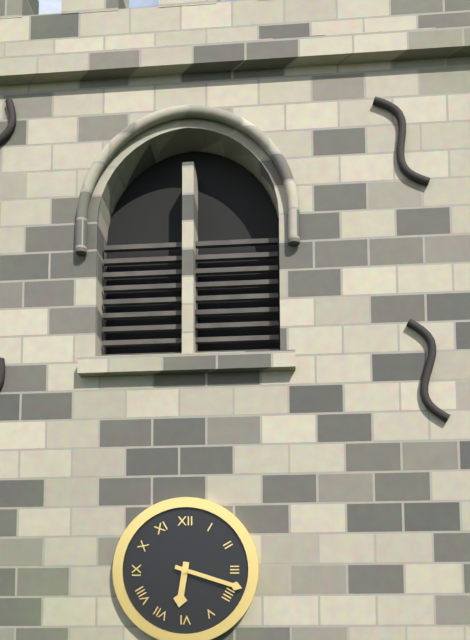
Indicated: **6:18**
